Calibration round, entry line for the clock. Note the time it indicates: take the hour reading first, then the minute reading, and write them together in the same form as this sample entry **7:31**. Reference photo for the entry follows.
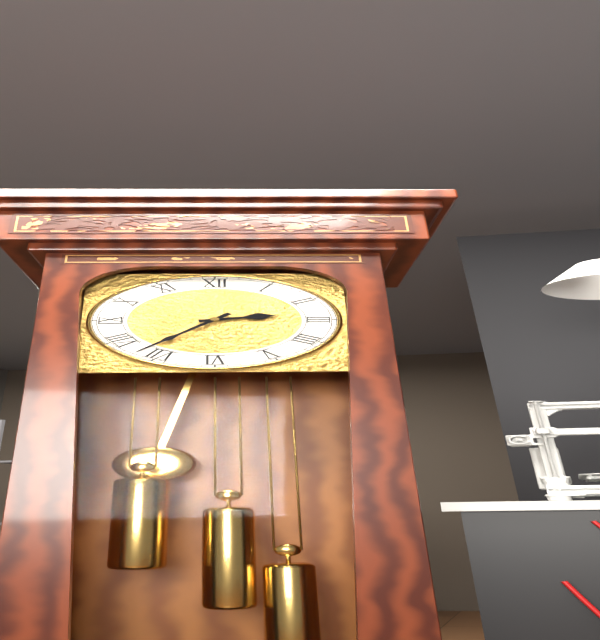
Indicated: **2:37**
